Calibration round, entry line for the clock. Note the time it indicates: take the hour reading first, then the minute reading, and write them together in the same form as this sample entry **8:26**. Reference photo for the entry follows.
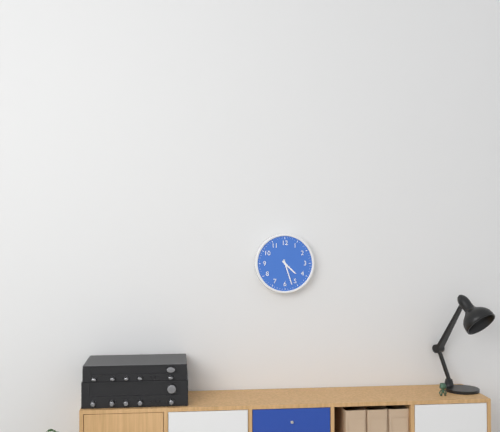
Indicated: **4:27**
